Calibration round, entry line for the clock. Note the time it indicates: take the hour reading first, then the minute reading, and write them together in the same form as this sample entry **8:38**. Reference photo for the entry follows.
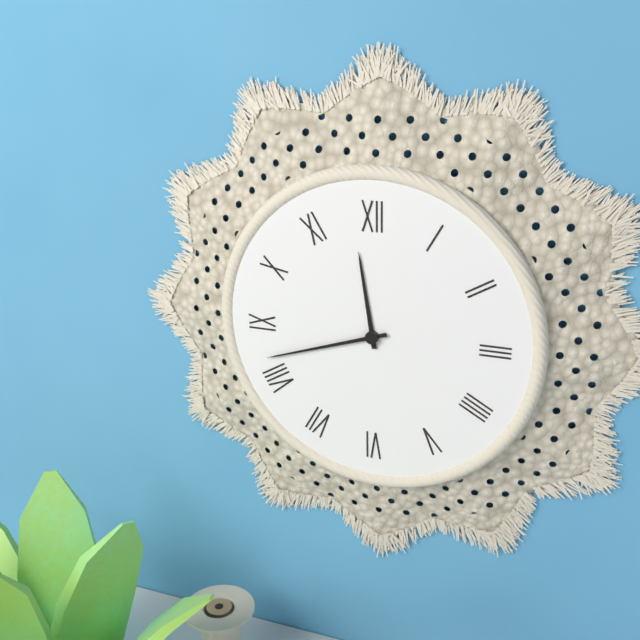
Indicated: **11:42**
